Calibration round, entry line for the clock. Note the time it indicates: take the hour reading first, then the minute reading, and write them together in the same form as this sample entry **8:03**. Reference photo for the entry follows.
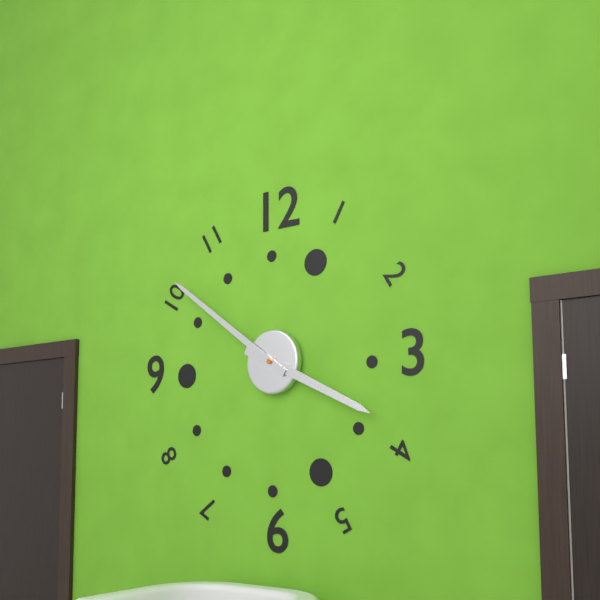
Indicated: **3:51**
